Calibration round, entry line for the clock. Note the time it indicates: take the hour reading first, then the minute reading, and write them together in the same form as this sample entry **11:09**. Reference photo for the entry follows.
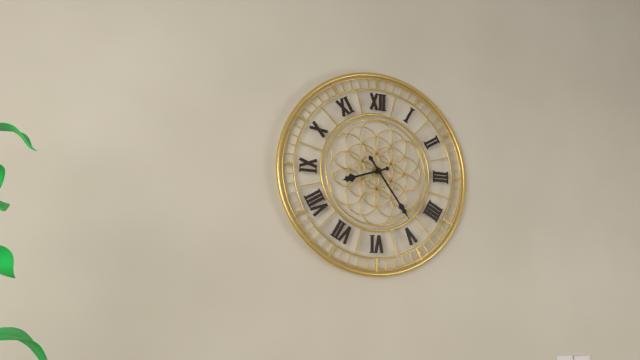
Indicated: **8:24**
